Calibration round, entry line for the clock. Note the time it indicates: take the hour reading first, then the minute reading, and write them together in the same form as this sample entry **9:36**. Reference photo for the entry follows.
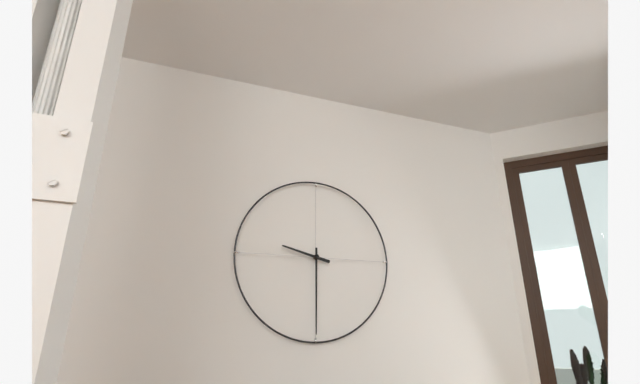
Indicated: **9:30**
